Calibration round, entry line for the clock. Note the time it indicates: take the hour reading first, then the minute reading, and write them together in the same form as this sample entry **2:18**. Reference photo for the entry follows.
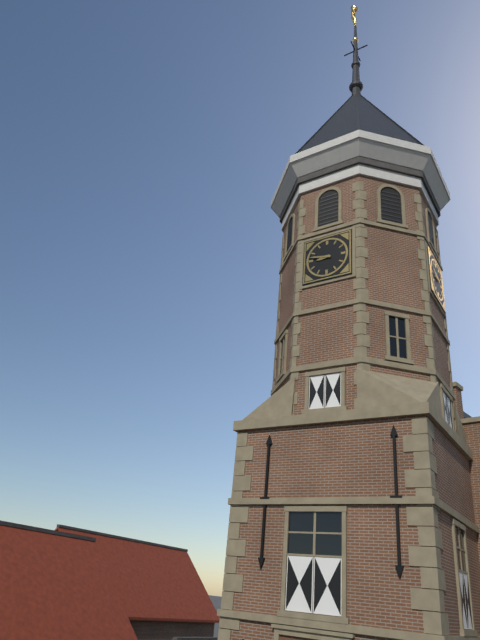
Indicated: **8:47**
